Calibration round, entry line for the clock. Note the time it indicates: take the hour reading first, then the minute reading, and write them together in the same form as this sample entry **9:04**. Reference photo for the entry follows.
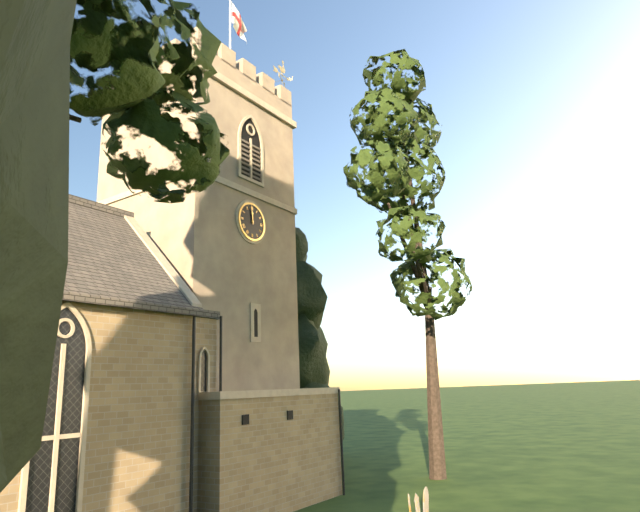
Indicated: **11:59**
